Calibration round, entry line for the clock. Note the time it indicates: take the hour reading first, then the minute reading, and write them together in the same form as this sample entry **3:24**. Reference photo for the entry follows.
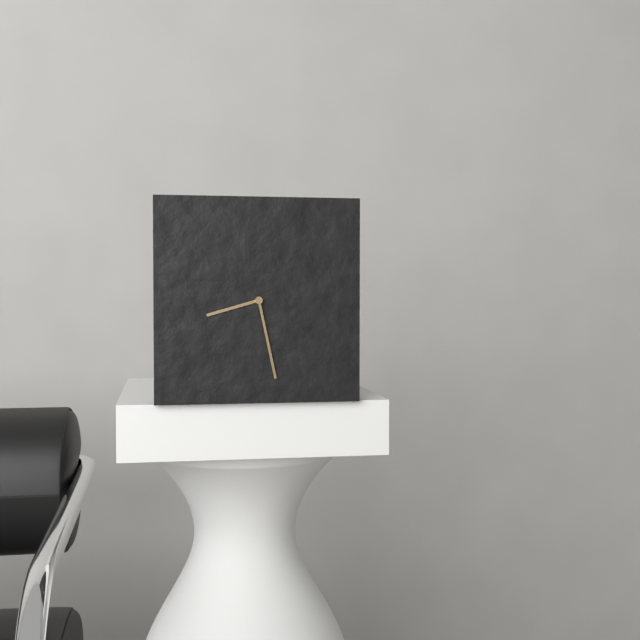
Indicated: **8:28**
